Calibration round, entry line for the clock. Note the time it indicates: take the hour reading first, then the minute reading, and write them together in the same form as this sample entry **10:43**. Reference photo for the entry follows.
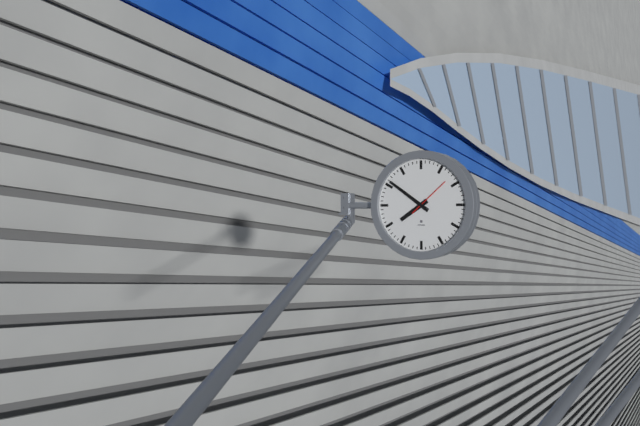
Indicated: **7:51**
